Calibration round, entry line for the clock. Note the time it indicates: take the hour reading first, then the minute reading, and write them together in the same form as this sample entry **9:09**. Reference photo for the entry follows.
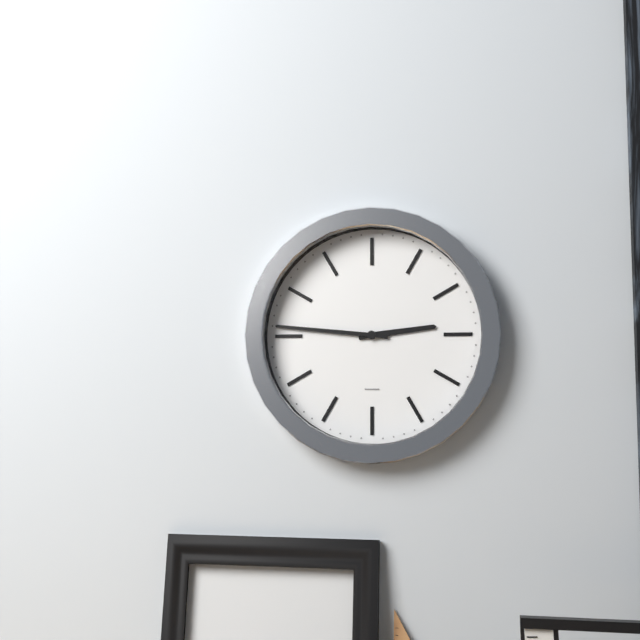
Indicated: **2:46**
